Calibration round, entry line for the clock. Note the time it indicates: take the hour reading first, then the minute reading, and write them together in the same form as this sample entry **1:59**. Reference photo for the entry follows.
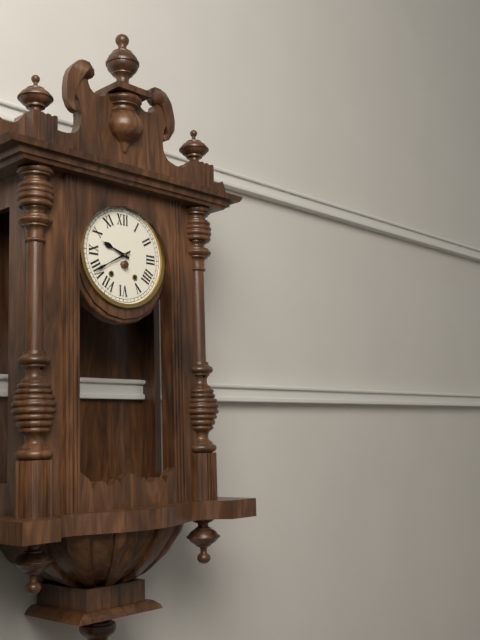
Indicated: **9:40**
